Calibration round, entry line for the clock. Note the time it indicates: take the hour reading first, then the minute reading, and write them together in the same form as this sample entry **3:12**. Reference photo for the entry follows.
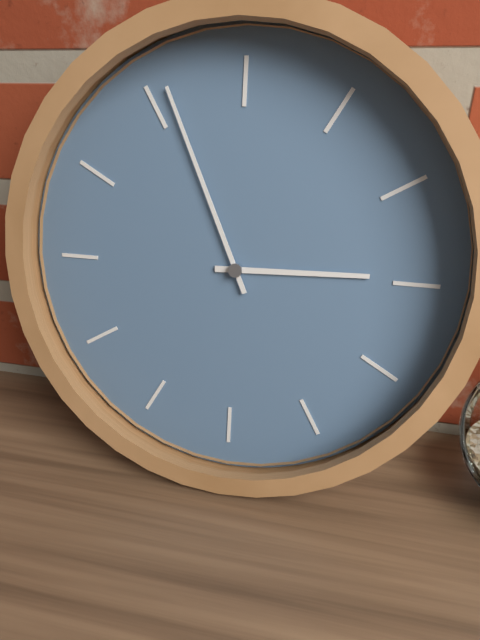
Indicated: **2:56**
